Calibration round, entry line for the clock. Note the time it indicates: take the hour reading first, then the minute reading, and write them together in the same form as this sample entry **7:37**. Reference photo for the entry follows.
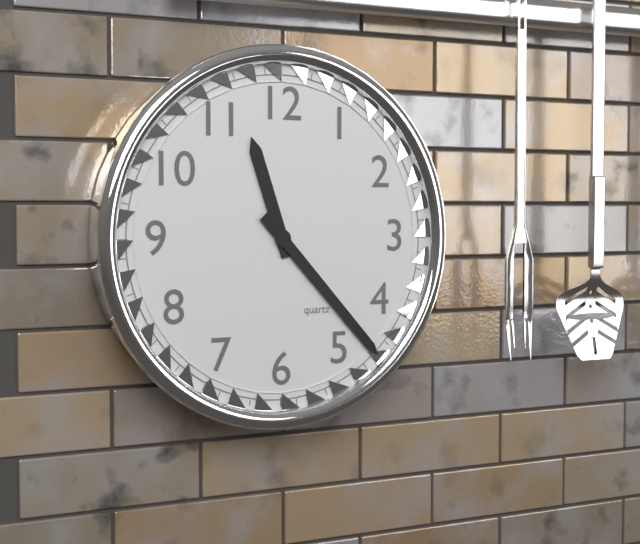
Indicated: **11:23**
